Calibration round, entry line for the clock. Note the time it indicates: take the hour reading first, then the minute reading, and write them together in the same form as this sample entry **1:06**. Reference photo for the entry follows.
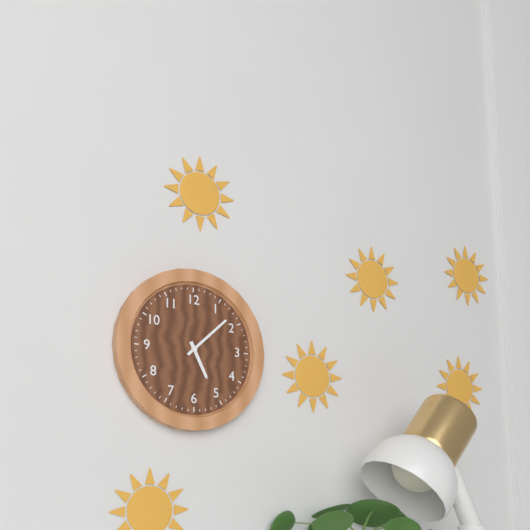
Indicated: **5:08**
